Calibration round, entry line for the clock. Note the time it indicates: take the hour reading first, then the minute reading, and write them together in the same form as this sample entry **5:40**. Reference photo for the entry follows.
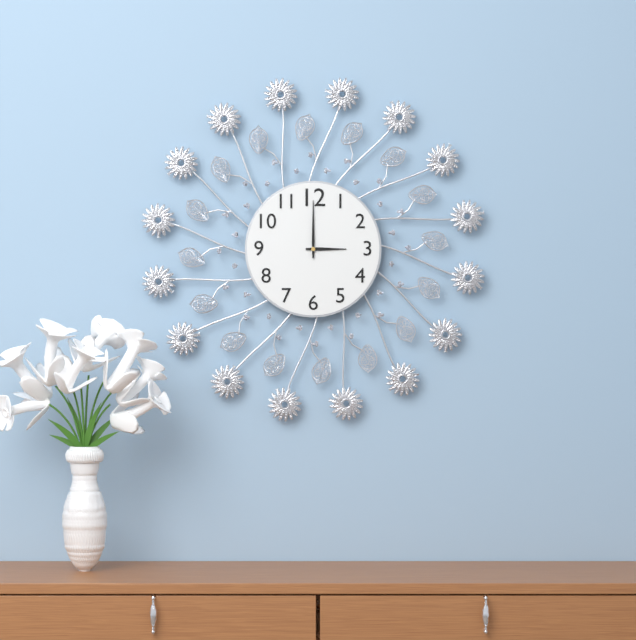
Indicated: **3:00**
